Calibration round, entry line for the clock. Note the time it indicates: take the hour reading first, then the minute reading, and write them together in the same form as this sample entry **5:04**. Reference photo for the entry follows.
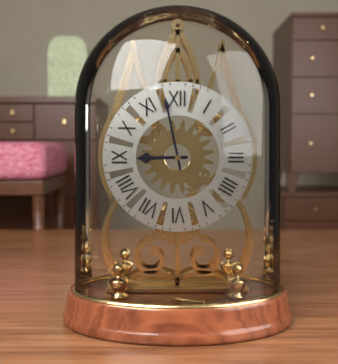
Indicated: **8:58**
